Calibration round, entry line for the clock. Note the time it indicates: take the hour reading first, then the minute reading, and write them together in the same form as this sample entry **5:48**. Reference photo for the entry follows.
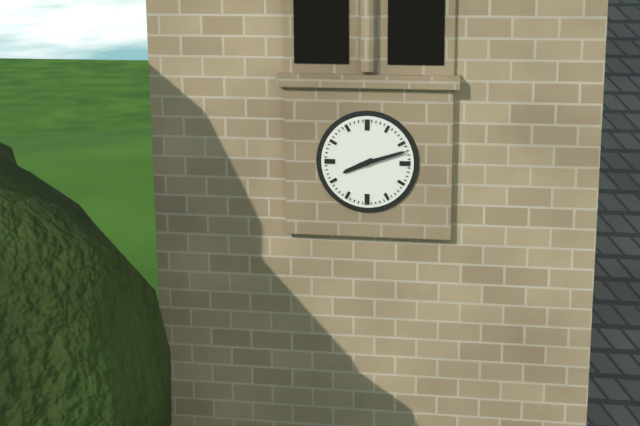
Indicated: **8:12**
